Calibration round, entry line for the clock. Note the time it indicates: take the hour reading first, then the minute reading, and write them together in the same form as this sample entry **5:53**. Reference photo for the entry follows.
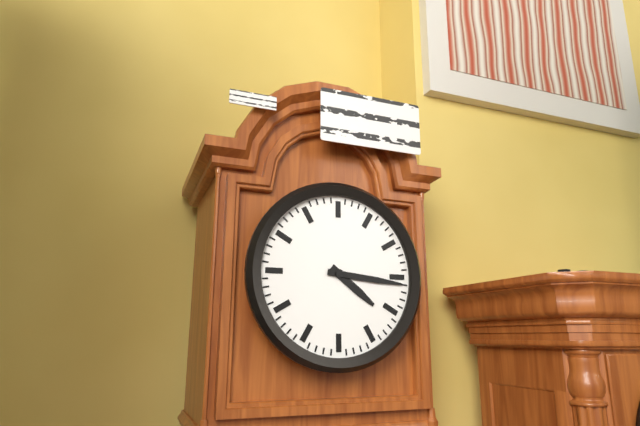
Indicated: **4:16**
